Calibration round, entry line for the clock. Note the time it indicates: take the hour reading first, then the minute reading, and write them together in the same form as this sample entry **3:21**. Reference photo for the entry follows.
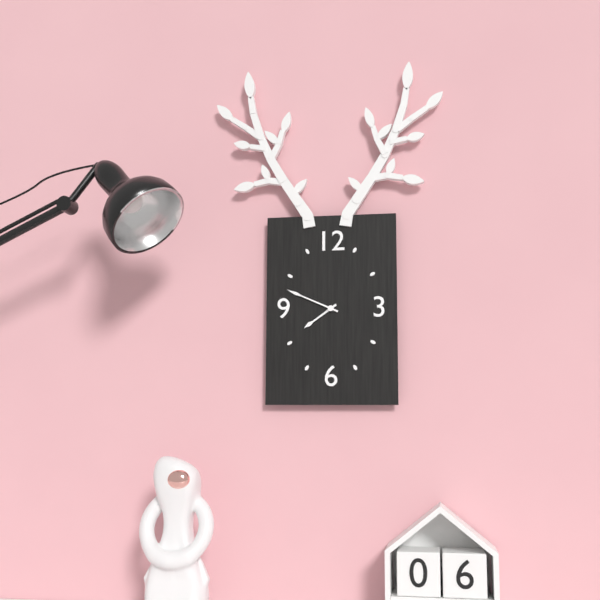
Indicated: **7:49**
